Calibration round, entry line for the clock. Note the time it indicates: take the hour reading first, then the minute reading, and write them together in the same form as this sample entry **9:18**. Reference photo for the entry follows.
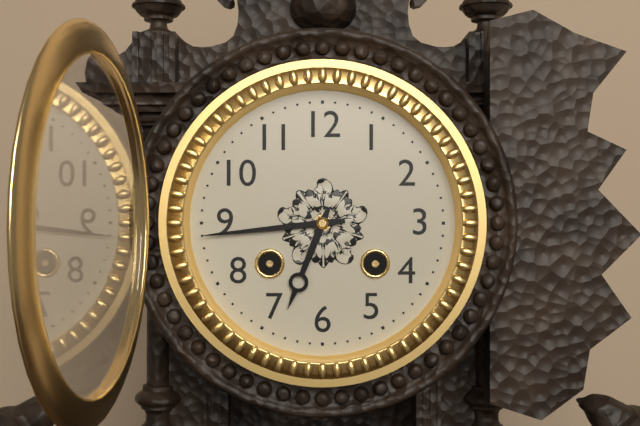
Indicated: **6:44**
